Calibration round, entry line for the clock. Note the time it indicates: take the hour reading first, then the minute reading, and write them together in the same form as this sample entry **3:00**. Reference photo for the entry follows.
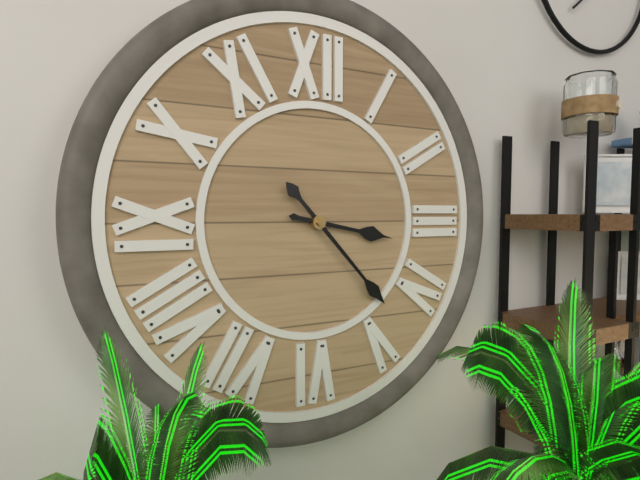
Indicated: **3:23**
